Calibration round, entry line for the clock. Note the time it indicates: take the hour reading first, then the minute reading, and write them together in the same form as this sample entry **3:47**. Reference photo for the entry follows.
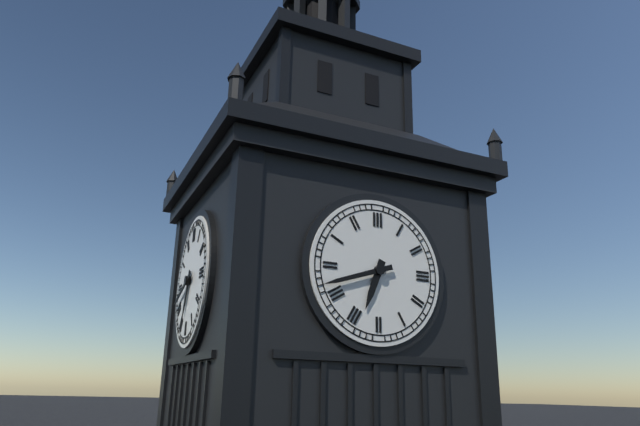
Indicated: **6:42**
